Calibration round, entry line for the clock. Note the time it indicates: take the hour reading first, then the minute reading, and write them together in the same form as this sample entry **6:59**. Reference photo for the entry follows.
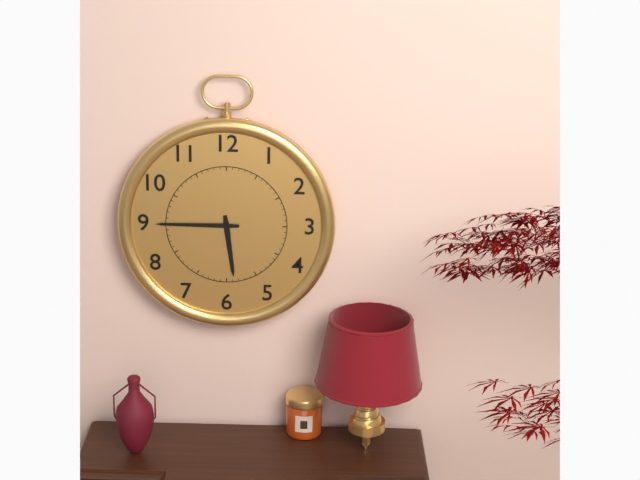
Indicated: **5:45**
